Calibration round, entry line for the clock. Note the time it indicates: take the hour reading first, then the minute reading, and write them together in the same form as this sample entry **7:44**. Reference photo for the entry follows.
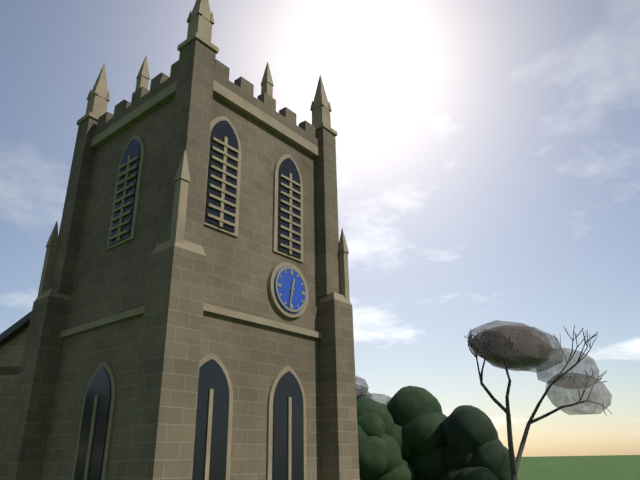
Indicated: **12:32**
